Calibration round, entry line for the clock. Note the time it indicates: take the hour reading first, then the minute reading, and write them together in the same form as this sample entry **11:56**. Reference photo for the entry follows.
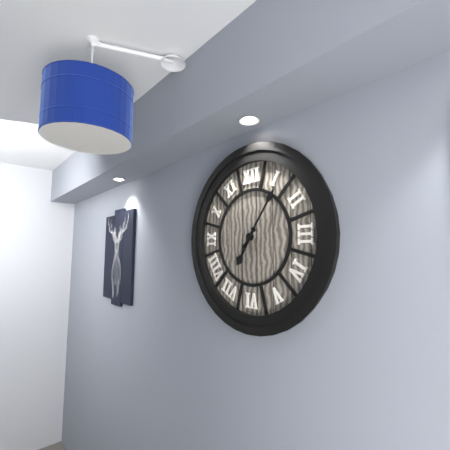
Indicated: **7:06**
